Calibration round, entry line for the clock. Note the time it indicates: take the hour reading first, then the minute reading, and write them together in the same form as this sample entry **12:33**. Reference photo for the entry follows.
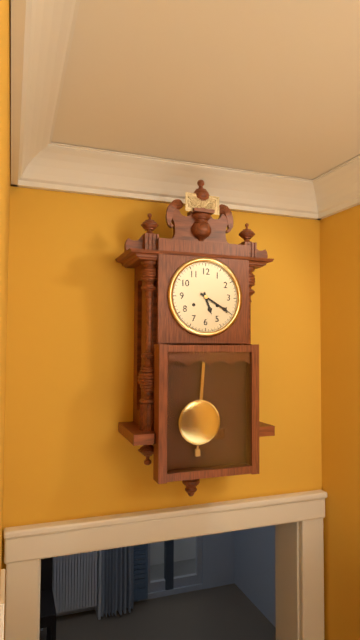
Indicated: **5:20**
